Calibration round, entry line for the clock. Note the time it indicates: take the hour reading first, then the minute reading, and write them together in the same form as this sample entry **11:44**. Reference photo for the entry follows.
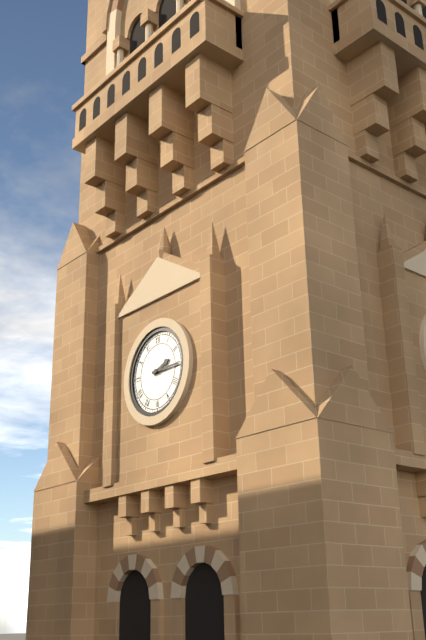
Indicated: **2:15**
